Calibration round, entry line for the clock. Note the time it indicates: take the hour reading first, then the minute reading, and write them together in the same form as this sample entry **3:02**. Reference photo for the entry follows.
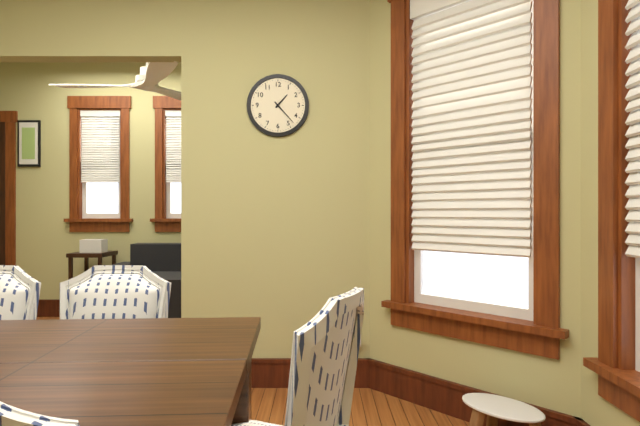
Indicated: **1:23**
